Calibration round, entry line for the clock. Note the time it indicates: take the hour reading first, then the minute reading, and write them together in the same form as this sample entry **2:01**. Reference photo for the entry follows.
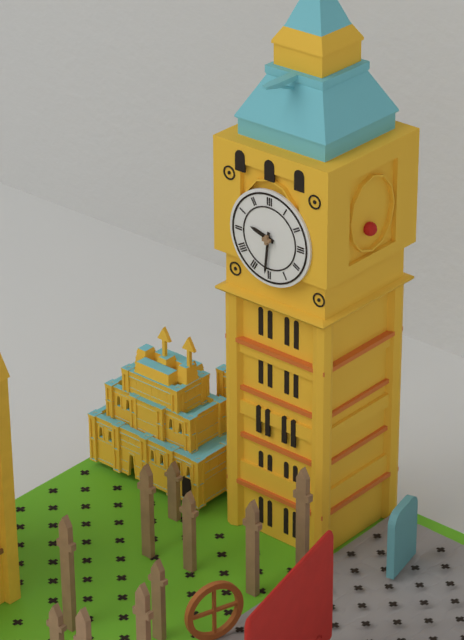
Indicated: **9:31**
